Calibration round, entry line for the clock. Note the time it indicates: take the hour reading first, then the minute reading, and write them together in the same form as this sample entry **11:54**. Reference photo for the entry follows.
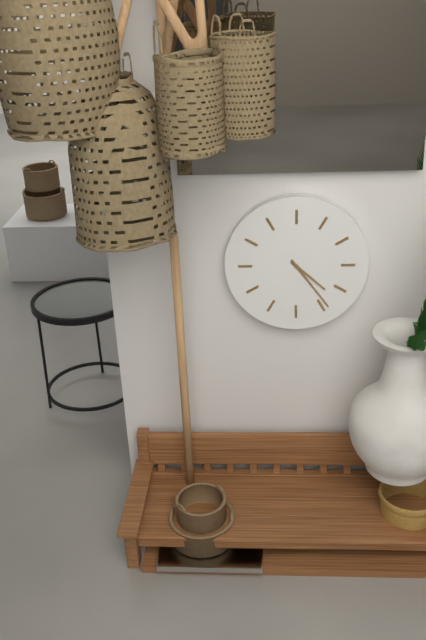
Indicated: **4:24**
